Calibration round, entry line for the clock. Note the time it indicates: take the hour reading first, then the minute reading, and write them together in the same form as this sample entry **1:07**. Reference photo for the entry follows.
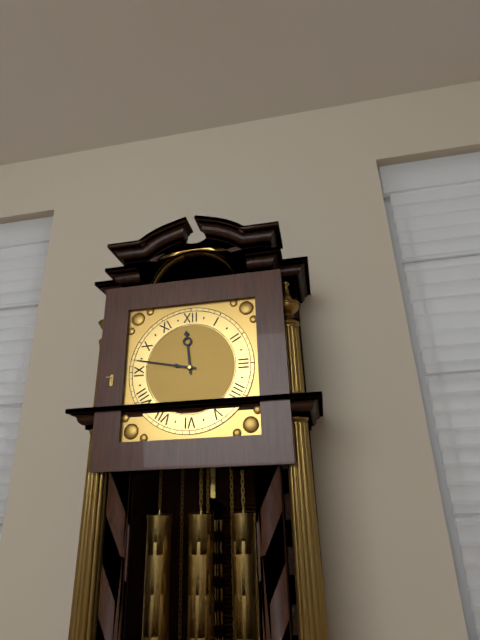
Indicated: **11:47**
